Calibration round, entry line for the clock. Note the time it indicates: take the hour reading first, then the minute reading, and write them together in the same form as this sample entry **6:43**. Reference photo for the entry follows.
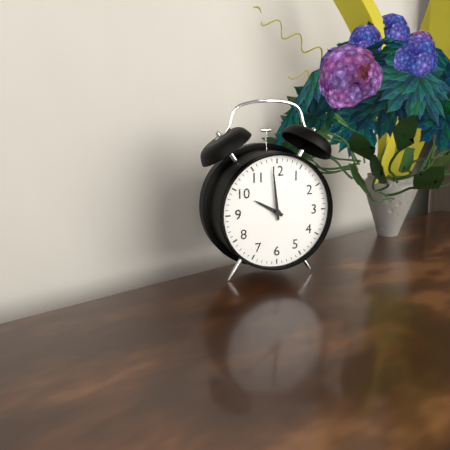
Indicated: **9:59**
